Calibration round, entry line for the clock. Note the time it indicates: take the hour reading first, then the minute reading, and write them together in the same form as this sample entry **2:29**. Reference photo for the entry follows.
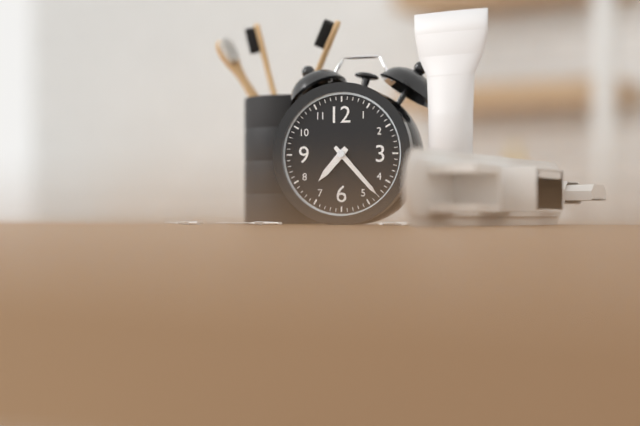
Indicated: **7:23**
